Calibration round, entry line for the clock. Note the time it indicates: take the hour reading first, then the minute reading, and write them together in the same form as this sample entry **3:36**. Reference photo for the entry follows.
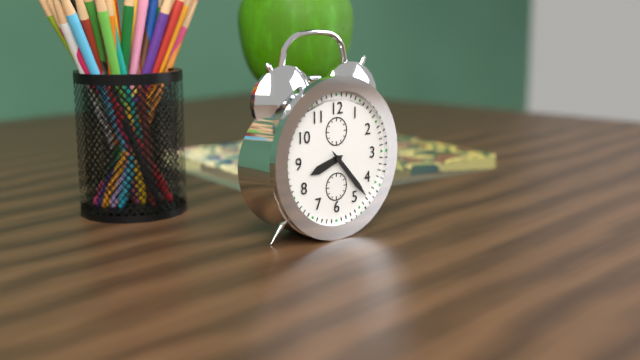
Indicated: **8:23**
